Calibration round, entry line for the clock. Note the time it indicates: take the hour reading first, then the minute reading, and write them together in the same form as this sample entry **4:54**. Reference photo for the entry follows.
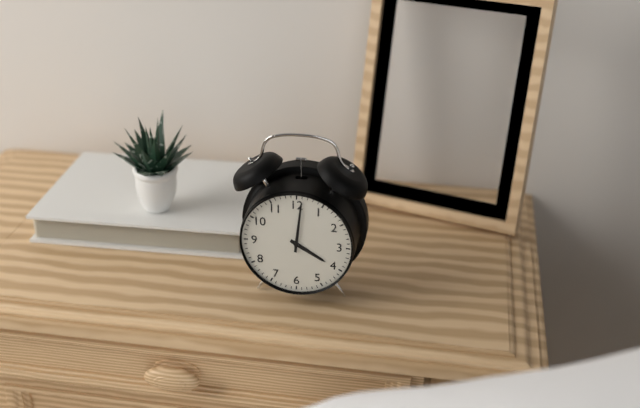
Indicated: **4:01**
